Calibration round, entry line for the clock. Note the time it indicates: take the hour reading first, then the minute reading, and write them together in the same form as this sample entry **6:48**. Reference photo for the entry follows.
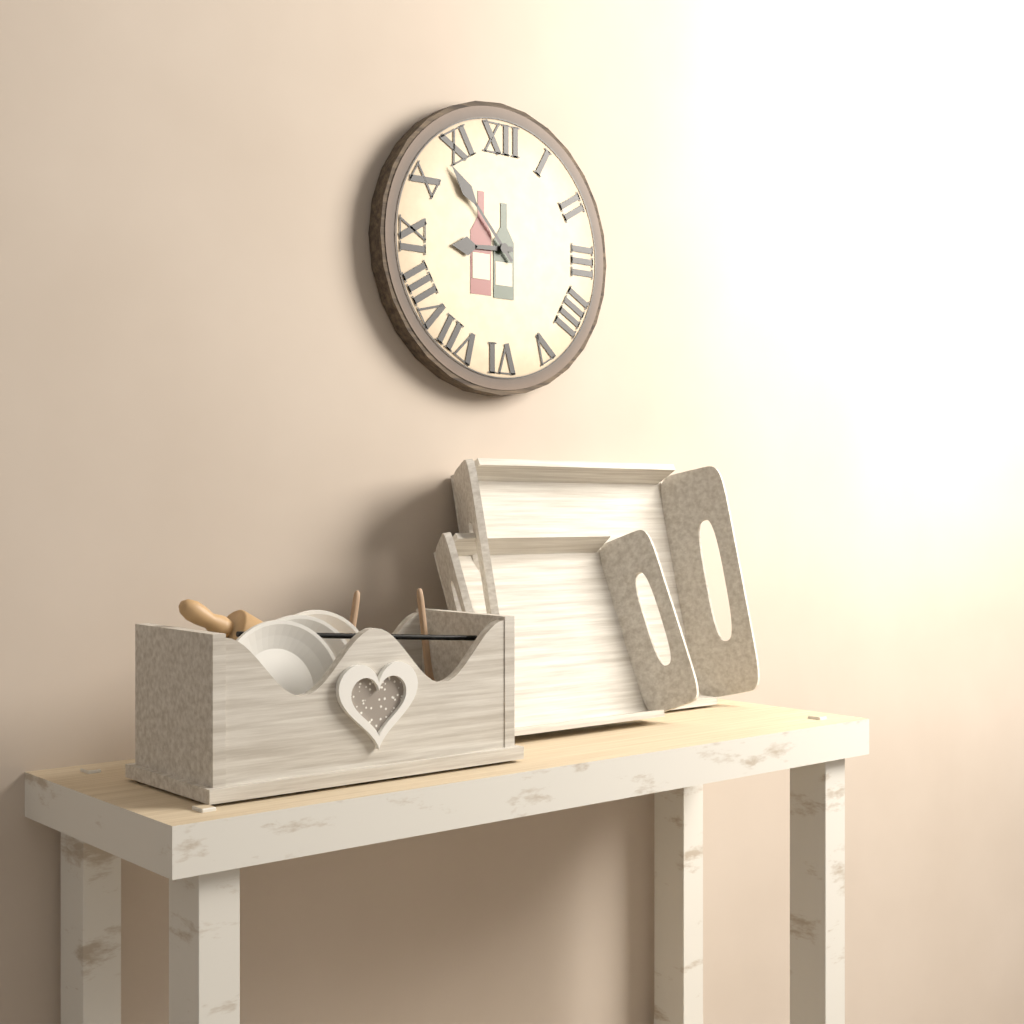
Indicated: **8:53**
